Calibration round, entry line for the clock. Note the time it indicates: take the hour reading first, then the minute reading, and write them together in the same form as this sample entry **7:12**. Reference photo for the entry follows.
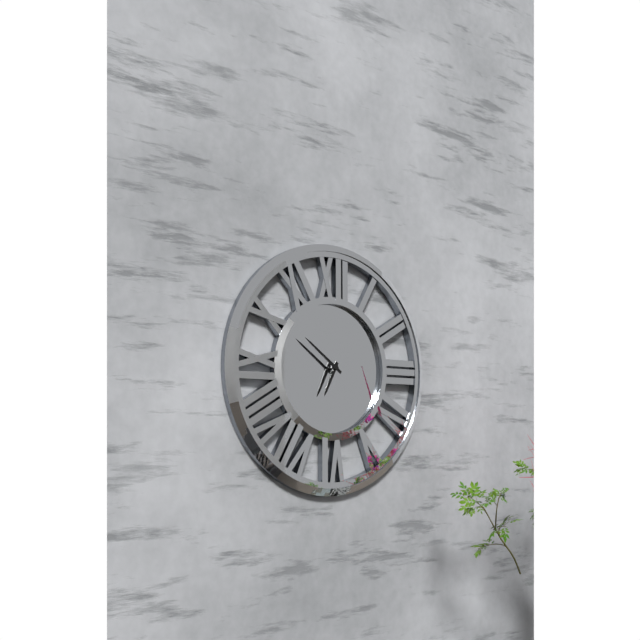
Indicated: **6:51**
